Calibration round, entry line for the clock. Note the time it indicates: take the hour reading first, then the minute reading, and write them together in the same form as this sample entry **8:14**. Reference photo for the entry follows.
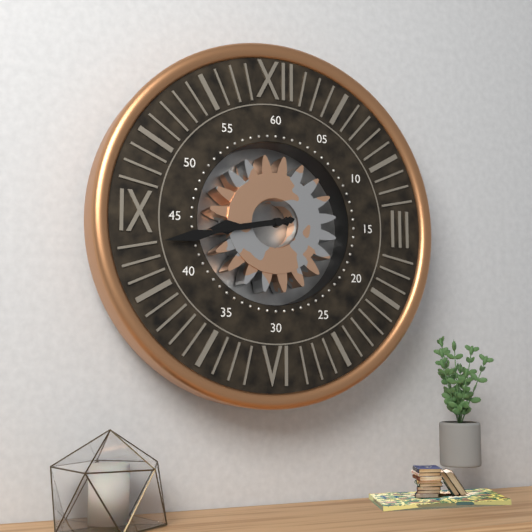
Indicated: **8:43**
